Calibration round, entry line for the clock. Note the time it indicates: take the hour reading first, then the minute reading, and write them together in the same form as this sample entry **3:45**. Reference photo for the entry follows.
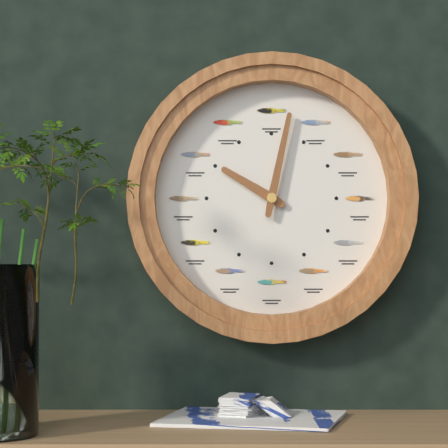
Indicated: **10:02**
